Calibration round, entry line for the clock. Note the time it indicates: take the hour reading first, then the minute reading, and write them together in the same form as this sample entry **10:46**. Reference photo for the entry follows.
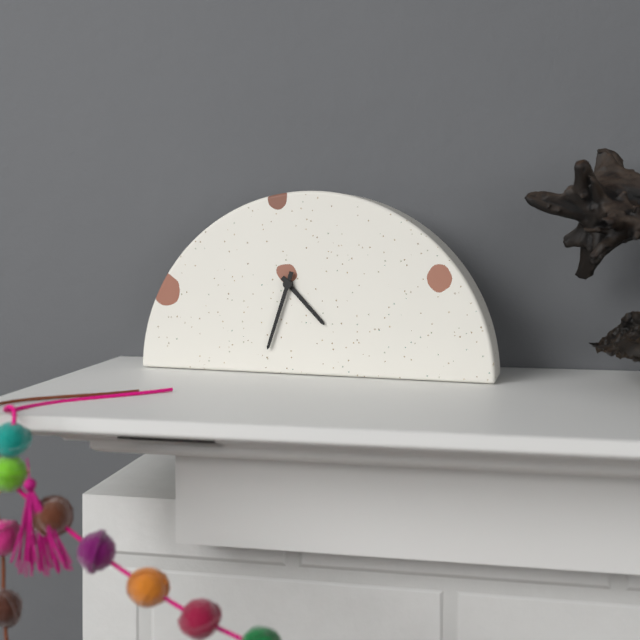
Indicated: **4:33**
